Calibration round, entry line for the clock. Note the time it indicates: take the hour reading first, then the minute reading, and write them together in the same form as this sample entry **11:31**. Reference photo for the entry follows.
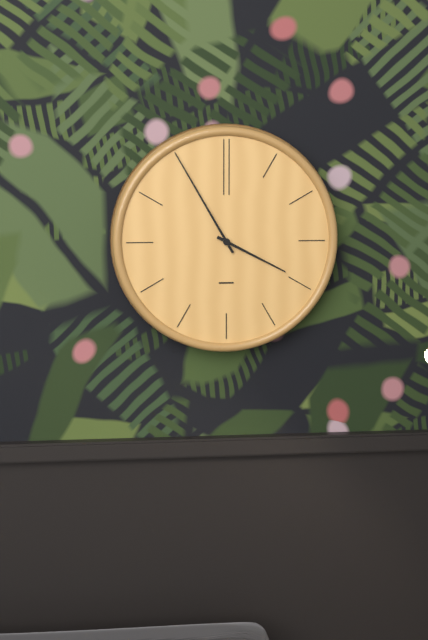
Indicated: **3:55**
